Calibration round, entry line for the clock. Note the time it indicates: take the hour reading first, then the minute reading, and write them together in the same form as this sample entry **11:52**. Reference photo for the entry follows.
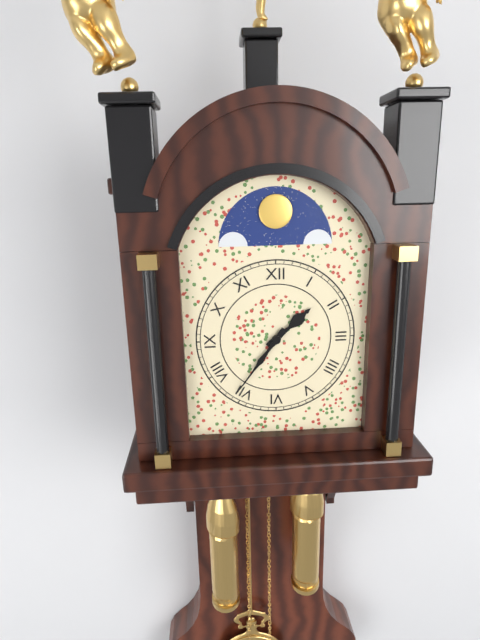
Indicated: **1:36**
